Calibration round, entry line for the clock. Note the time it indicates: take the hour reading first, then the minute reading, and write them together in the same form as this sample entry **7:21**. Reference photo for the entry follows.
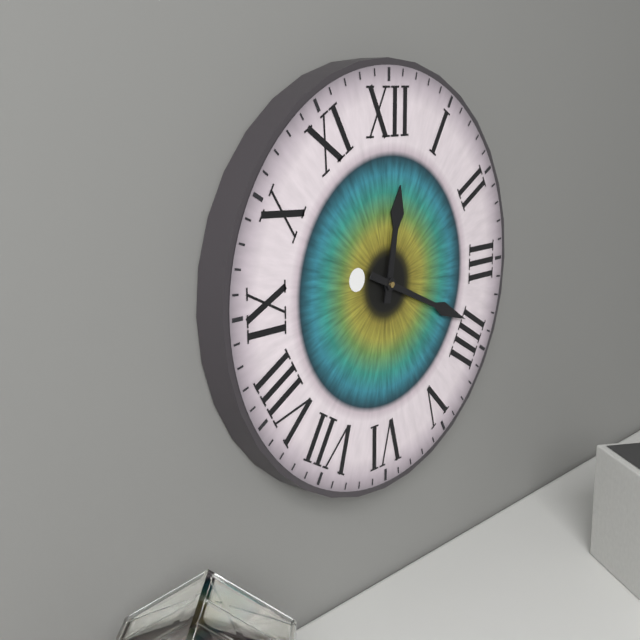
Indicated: **12:19**
